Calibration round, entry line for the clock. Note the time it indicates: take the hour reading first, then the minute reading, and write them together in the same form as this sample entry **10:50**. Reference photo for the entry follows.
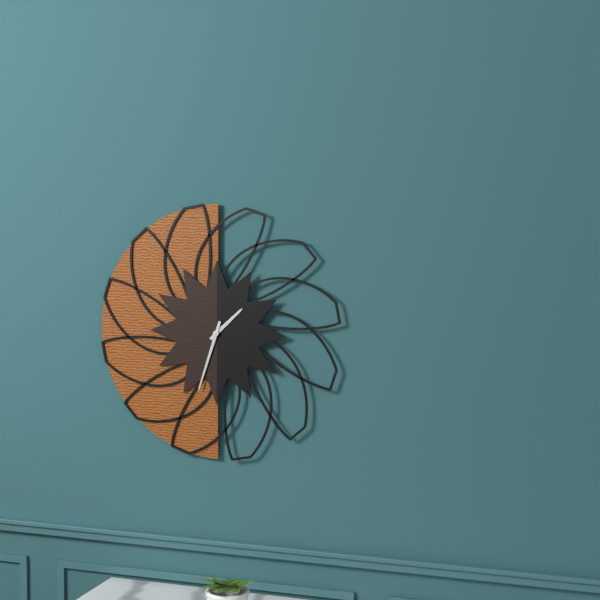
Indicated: **1:33**
